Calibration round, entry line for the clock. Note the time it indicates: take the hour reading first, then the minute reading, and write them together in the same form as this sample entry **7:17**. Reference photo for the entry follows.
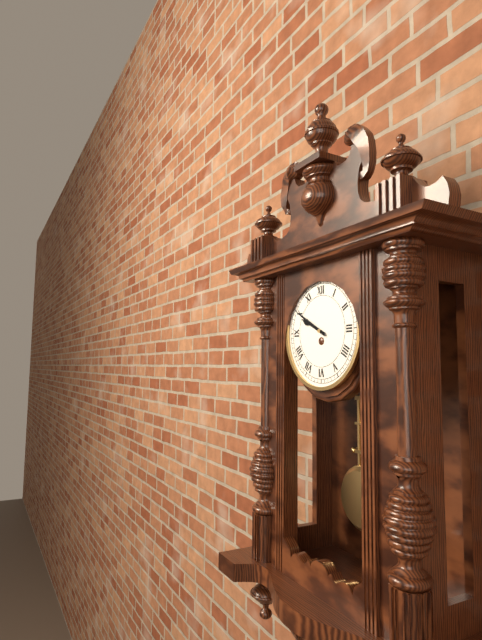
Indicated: **9:50**
